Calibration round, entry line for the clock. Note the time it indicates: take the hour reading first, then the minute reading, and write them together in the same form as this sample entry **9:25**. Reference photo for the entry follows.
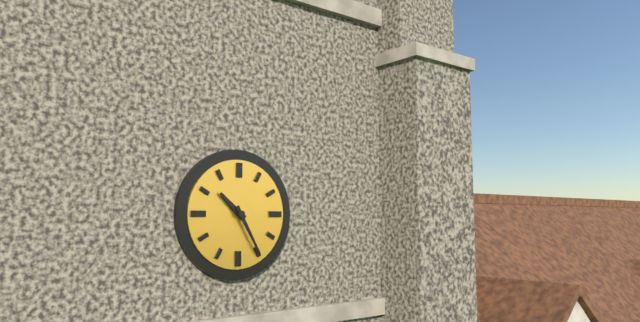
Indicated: **10:25**
